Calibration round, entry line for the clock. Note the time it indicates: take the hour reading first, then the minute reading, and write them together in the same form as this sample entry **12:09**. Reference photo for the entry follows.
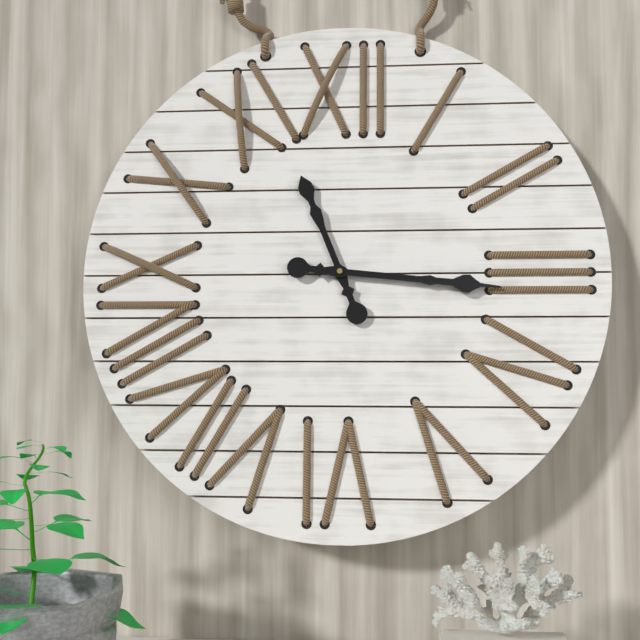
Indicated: **11:16**
